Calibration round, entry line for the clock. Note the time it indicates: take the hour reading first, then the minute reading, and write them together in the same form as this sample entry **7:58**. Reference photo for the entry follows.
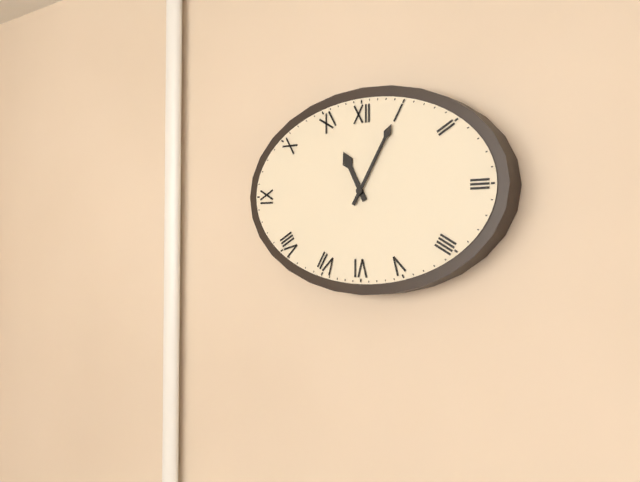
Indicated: **11:05**
